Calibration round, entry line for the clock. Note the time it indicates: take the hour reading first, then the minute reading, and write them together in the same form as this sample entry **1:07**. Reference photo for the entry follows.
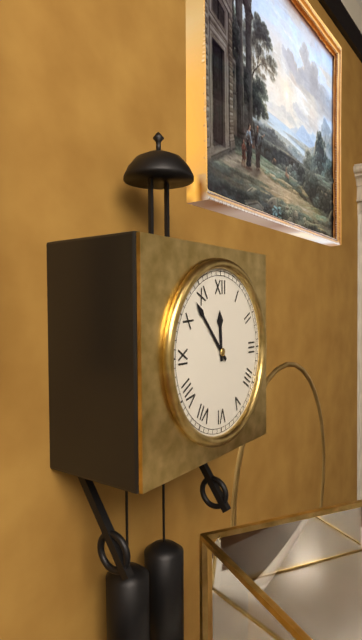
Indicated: **11:53**
